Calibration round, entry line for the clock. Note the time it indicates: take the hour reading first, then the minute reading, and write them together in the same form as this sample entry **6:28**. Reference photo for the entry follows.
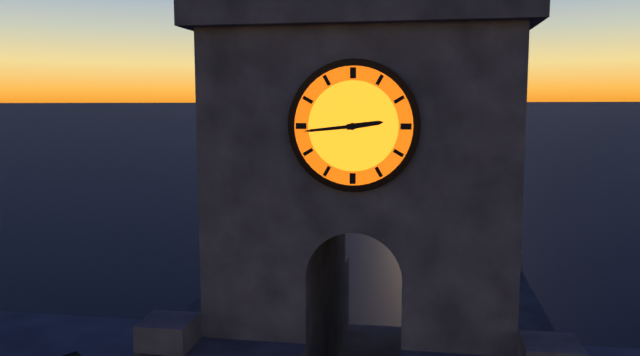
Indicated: **2:44**
